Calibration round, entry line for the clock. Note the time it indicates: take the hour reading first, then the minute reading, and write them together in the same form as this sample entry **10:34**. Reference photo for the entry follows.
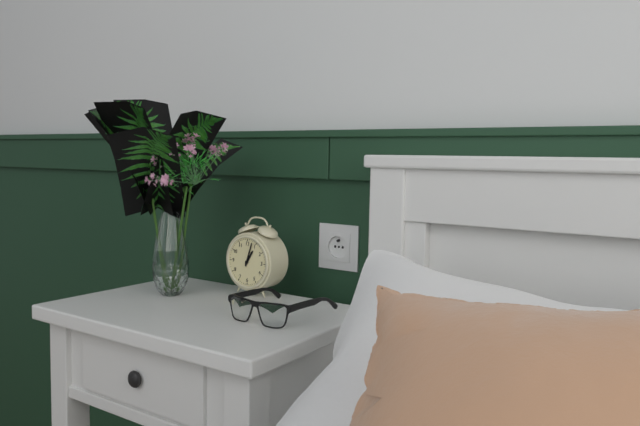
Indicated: **1:03**
